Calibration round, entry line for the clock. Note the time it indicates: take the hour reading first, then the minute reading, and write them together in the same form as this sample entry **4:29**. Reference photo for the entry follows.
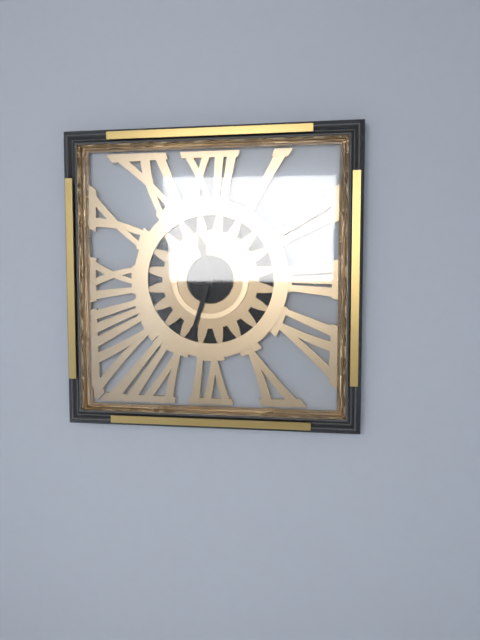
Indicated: **11:33**
